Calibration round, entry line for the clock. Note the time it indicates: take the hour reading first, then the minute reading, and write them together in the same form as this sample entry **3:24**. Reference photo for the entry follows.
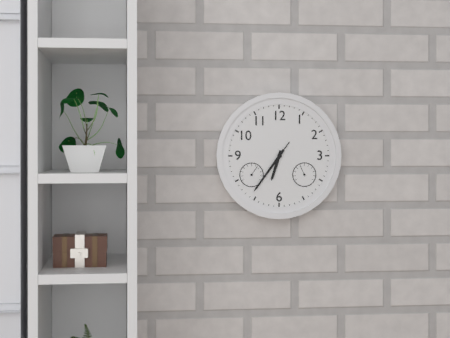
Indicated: **6:36**
